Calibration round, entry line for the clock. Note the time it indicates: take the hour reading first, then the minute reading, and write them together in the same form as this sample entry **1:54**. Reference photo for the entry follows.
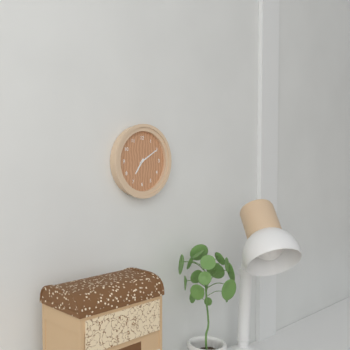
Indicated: **7:10**
